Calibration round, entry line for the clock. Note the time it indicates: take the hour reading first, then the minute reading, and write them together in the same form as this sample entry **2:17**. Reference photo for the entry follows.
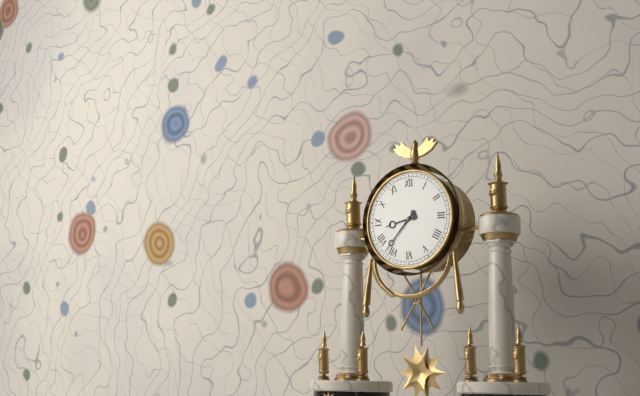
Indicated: **8:37**
